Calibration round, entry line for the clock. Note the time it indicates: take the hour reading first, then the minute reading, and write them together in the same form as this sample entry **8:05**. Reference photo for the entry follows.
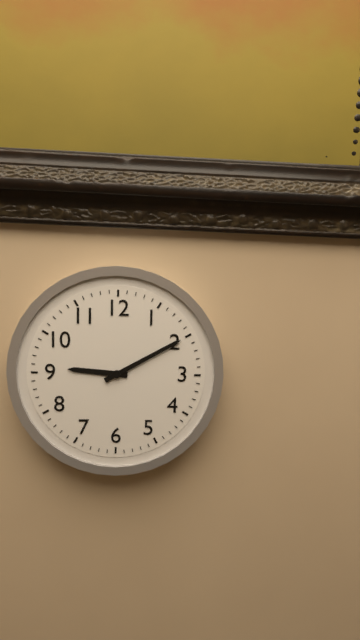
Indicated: **9:10**
